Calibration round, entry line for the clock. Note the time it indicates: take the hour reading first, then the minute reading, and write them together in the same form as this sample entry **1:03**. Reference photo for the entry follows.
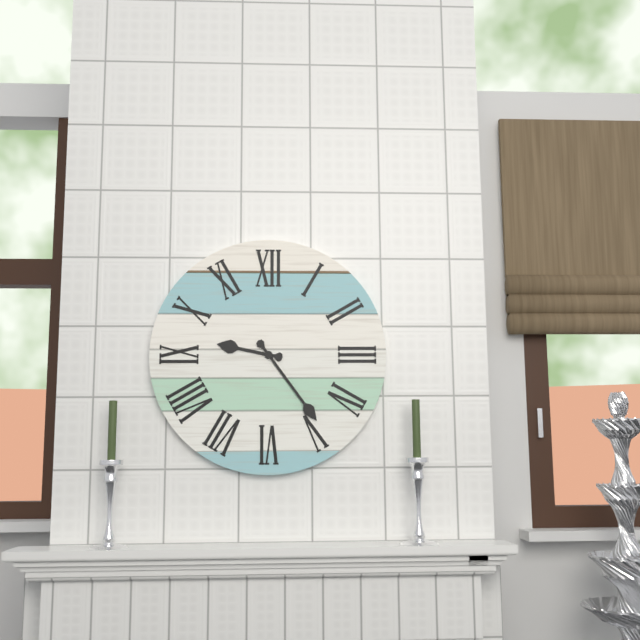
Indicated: **9:24**
